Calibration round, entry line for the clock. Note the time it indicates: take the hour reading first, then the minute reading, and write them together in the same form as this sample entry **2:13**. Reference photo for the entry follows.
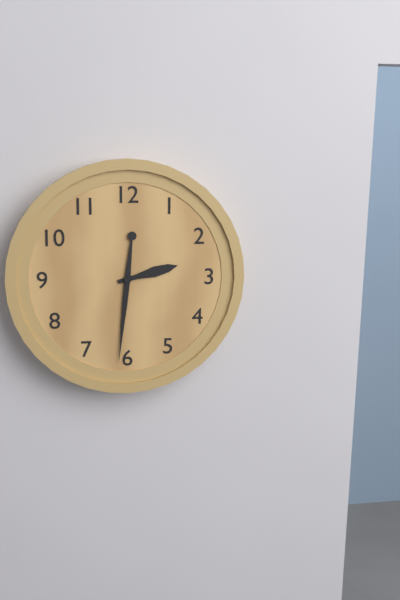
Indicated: **2:31**
